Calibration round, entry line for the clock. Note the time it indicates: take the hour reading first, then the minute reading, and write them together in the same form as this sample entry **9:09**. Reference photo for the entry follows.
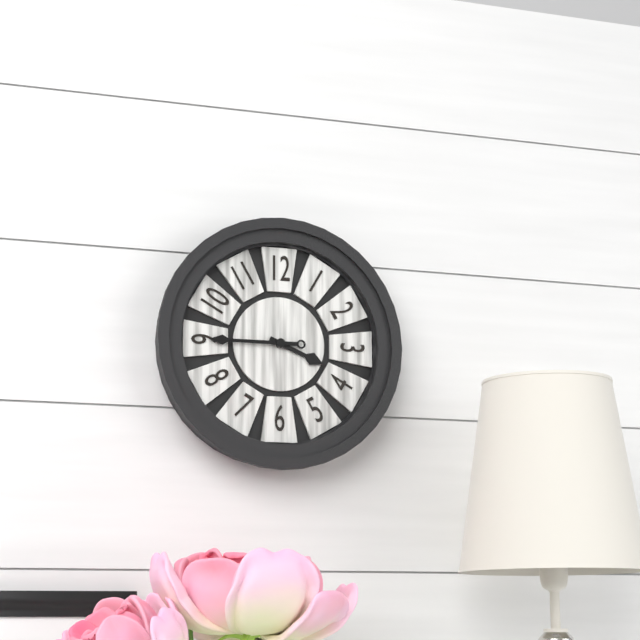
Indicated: **3:45**
